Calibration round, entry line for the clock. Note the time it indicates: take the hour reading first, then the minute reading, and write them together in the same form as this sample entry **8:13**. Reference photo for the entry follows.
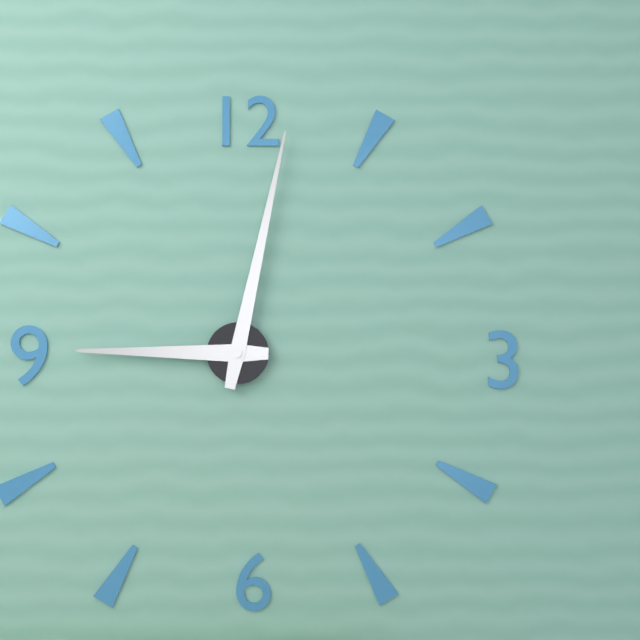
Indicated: **9:02**
